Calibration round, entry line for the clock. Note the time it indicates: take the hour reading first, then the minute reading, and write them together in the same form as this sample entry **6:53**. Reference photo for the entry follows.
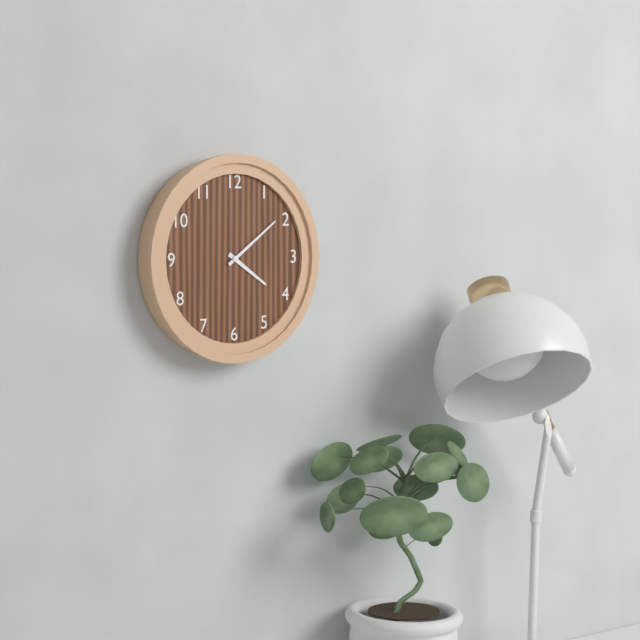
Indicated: **4:09**
